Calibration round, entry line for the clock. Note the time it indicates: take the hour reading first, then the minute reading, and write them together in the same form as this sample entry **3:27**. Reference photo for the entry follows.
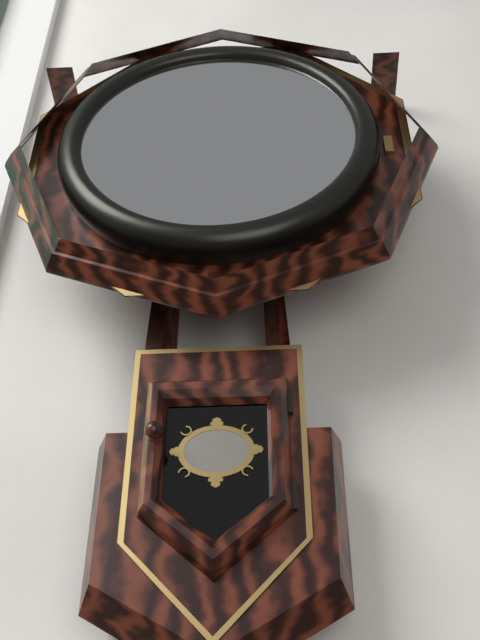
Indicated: **9:35**
